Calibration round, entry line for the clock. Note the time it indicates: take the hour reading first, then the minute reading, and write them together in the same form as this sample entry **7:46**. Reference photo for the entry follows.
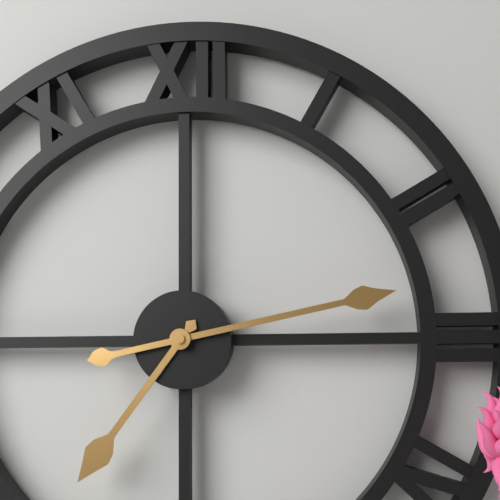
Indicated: **7:13**
